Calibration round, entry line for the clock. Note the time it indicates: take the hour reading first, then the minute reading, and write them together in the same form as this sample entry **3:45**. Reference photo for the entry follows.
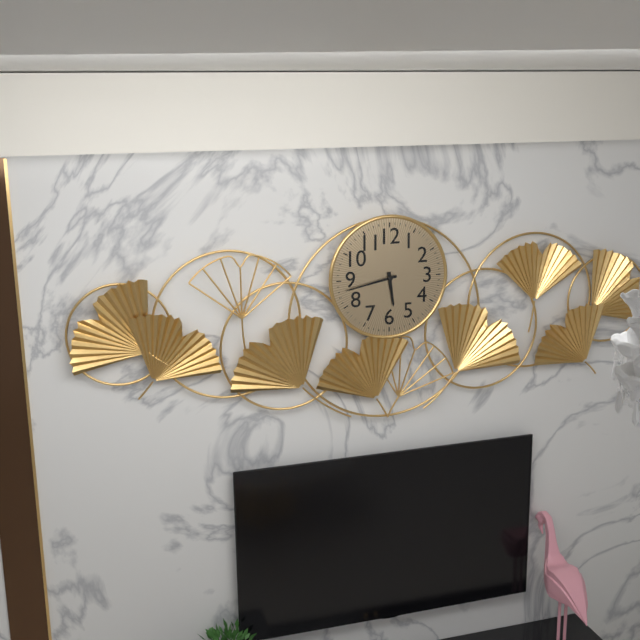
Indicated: **5:43**
